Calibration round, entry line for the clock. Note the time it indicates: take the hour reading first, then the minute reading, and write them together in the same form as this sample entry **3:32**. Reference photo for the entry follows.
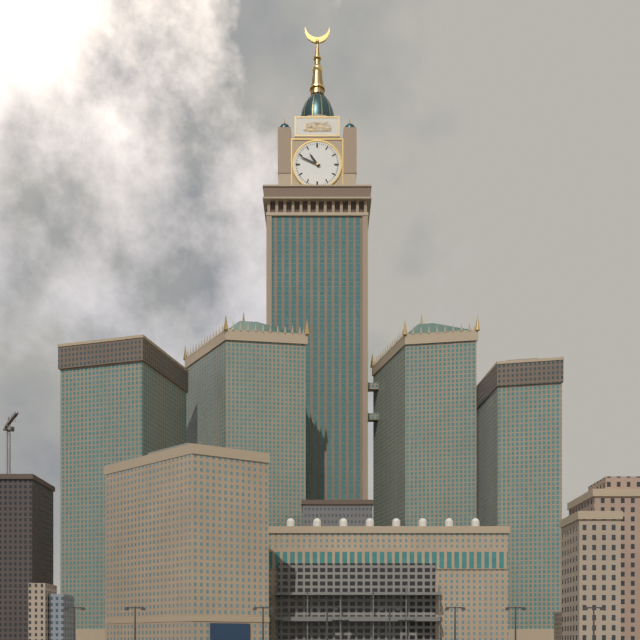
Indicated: **10:49**
